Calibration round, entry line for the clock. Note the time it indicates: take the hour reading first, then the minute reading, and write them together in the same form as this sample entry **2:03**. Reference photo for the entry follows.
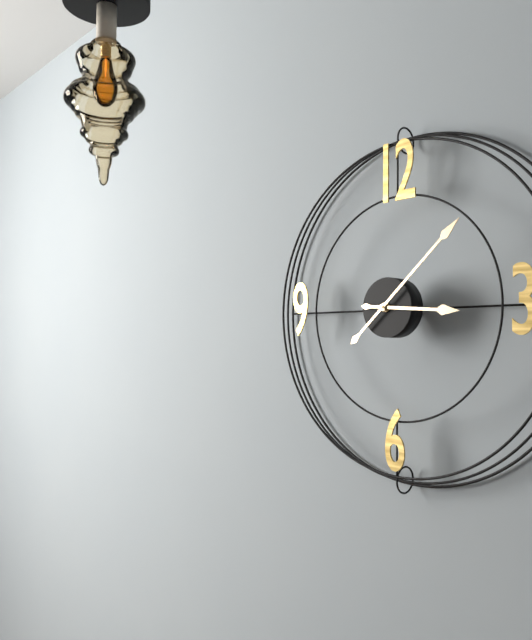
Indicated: **3:08**
